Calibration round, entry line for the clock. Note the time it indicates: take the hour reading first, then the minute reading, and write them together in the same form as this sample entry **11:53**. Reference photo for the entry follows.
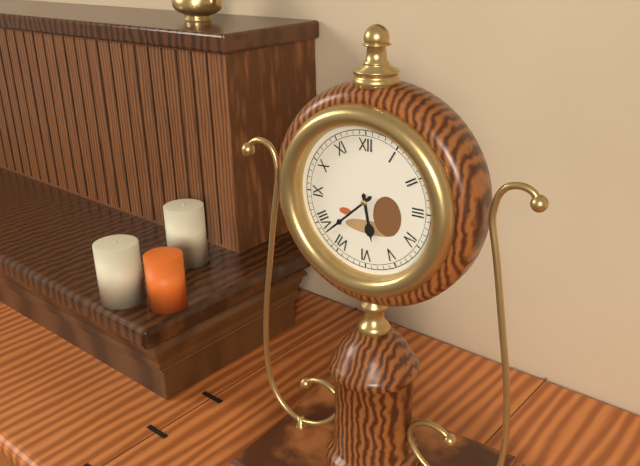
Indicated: **5:38**
